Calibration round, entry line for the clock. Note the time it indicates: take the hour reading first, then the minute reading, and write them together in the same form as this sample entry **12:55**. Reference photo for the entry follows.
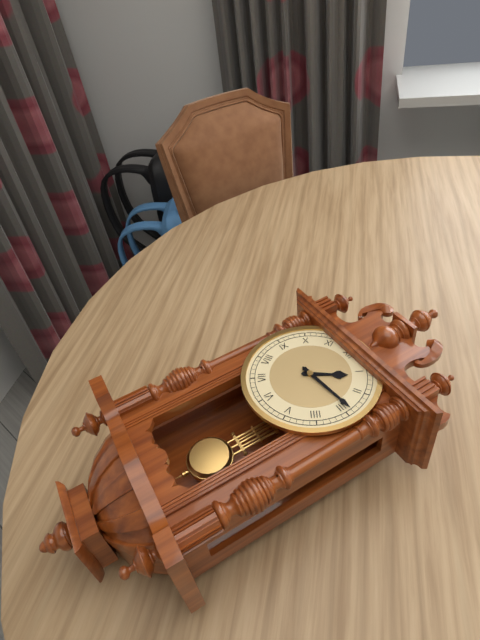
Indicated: **1:14**
